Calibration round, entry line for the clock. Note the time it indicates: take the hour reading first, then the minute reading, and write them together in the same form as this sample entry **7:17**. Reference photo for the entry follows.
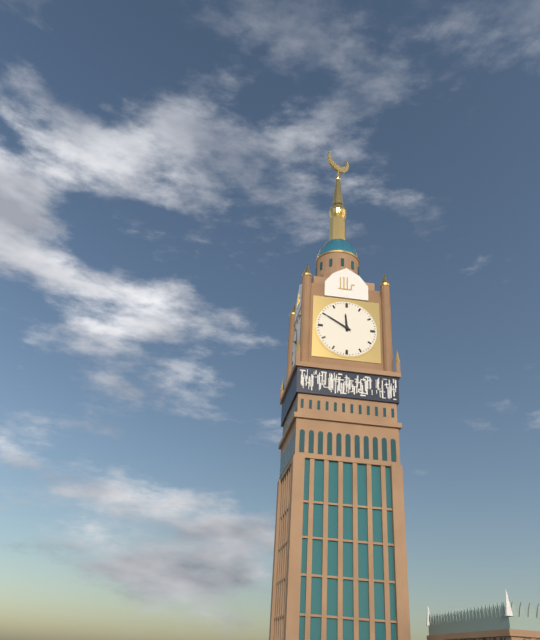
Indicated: **11:50**
